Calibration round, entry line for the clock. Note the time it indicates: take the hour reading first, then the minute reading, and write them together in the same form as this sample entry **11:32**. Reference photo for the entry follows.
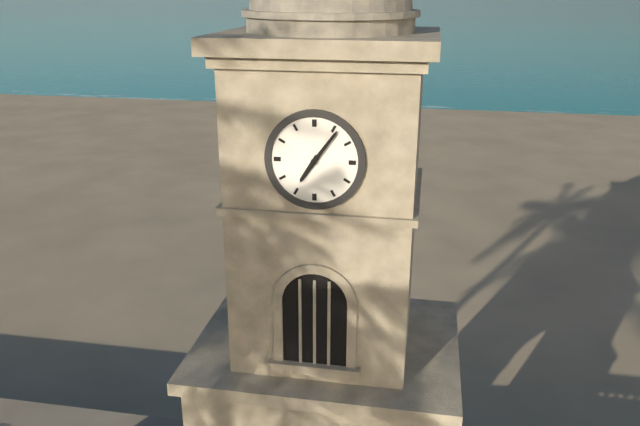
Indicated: **7:06**
